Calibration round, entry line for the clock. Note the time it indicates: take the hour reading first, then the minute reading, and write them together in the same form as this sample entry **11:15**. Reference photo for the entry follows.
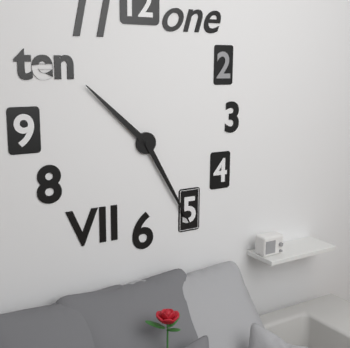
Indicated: **10:25**
